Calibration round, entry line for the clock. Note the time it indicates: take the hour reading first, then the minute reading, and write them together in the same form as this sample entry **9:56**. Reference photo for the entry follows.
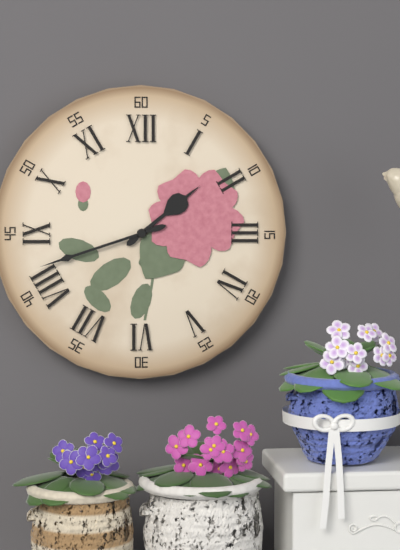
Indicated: **1:42**
